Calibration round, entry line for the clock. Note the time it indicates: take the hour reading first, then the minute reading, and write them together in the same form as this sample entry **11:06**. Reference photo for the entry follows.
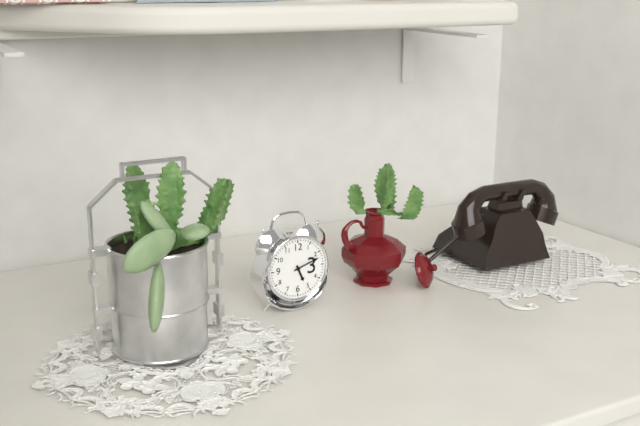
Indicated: **5:12**
